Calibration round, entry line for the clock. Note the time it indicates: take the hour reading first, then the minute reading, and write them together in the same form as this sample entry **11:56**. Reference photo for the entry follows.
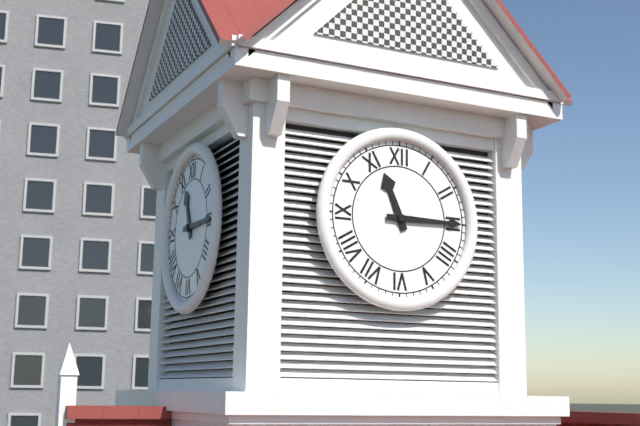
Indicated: **11:15**
